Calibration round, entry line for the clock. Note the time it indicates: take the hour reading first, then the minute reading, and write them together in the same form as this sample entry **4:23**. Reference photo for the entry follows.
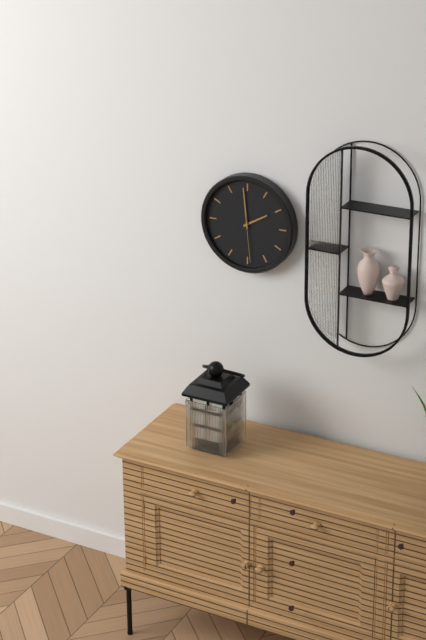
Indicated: **1:59**
